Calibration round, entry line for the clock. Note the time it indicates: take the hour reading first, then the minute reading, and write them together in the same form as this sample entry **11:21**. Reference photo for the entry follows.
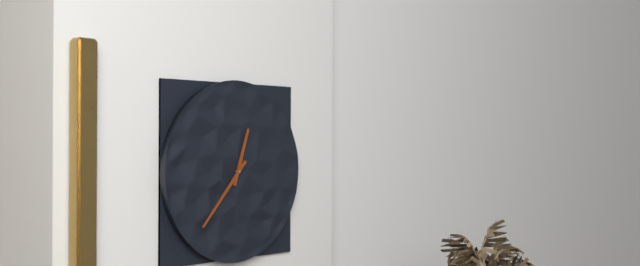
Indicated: **12:37**
